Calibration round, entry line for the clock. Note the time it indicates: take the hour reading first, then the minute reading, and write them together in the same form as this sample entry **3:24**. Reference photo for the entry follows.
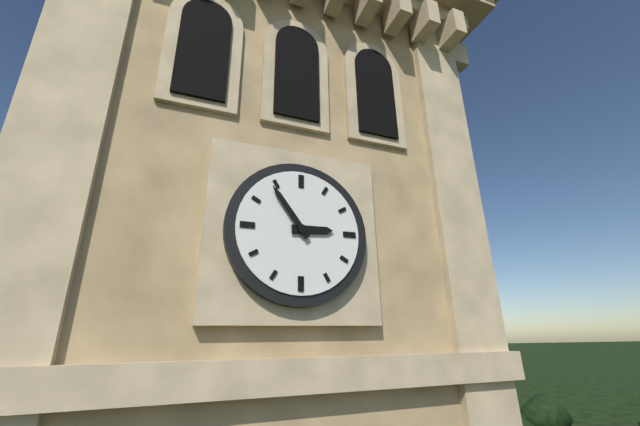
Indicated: **2:54**
